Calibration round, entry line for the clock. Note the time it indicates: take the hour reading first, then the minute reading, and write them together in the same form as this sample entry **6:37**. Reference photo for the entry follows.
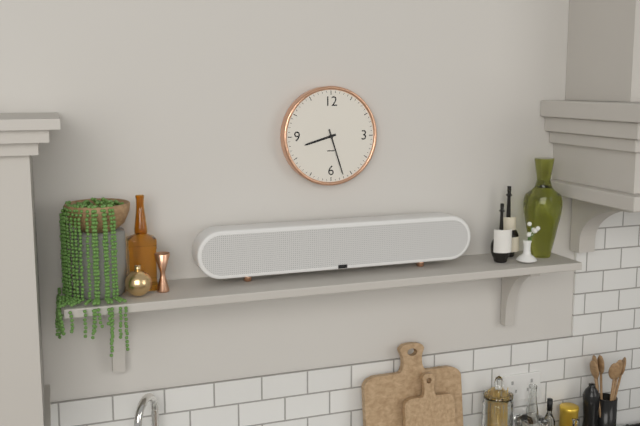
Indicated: **8:27**
